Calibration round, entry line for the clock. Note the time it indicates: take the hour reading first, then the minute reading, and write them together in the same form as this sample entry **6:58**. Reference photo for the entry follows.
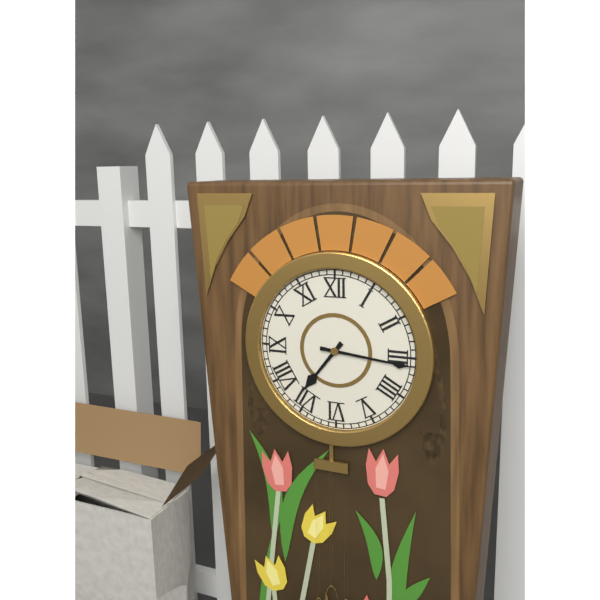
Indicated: **7:16**
